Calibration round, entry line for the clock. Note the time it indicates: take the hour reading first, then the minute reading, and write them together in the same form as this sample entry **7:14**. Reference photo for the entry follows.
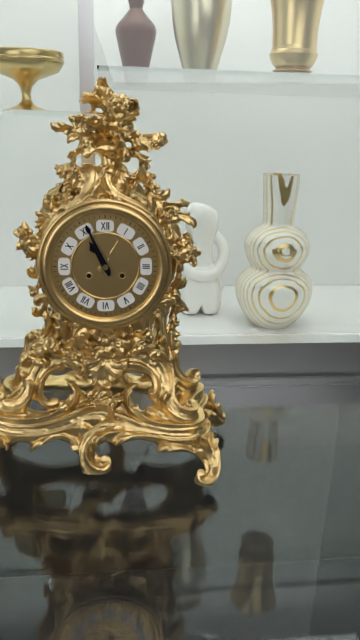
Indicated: **10:56**
